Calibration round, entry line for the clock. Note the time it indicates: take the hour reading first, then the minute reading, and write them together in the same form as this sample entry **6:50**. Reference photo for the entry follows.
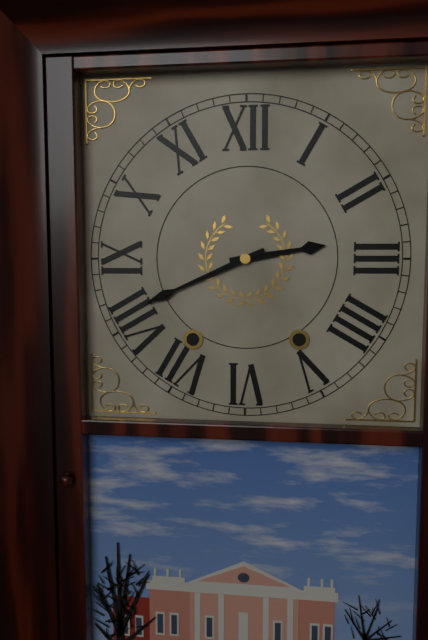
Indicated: **2:41**
